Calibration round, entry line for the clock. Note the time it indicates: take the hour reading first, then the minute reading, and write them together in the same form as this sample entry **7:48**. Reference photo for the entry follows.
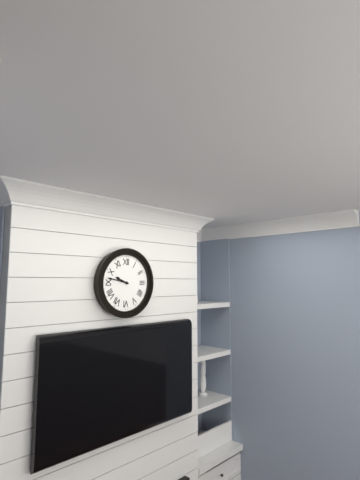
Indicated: **9:47**
